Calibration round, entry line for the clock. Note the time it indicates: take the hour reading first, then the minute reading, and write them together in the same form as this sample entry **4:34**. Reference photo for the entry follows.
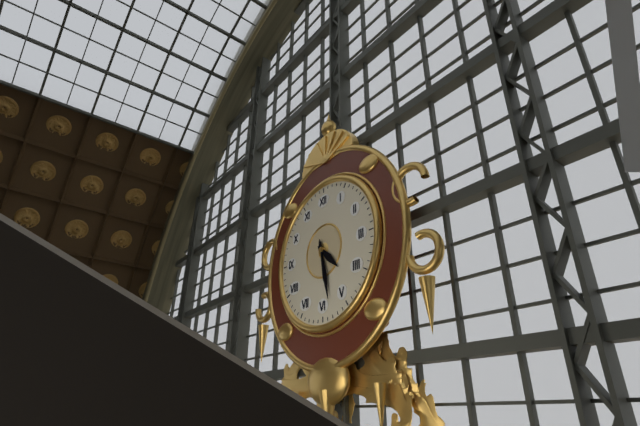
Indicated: **4:28**
